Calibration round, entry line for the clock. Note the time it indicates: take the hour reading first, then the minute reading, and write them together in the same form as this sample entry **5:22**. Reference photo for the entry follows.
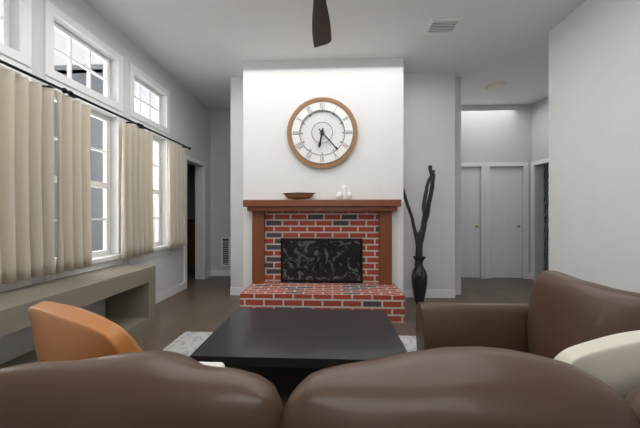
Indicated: **6:23**
